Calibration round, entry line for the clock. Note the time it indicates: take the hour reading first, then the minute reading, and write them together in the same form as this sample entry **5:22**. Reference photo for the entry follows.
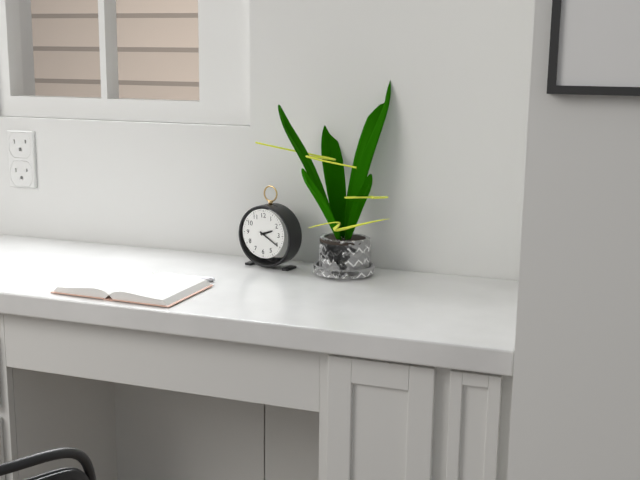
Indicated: **2:20**
